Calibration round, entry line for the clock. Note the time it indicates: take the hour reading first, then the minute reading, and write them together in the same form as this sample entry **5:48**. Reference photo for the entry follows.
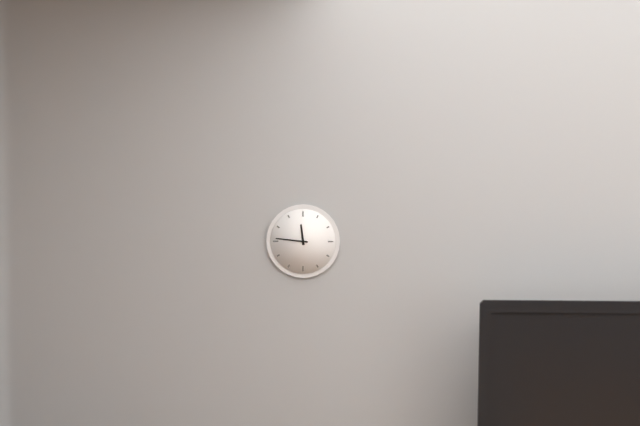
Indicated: **11:46**
